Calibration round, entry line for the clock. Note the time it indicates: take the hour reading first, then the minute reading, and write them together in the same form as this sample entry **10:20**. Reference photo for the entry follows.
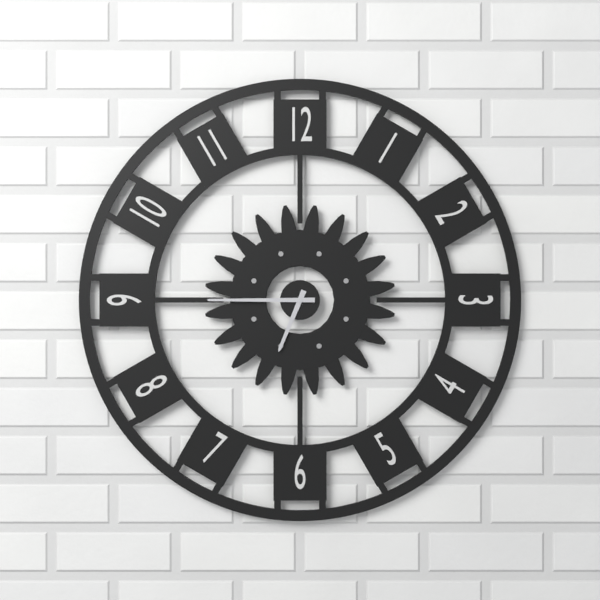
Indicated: **6:45**
